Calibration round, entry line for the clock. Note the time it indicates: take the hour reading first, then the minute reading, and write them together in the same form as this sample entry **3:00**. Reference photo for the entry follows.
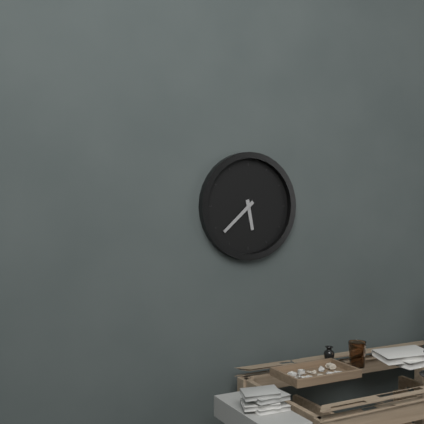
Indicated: **5:38**
